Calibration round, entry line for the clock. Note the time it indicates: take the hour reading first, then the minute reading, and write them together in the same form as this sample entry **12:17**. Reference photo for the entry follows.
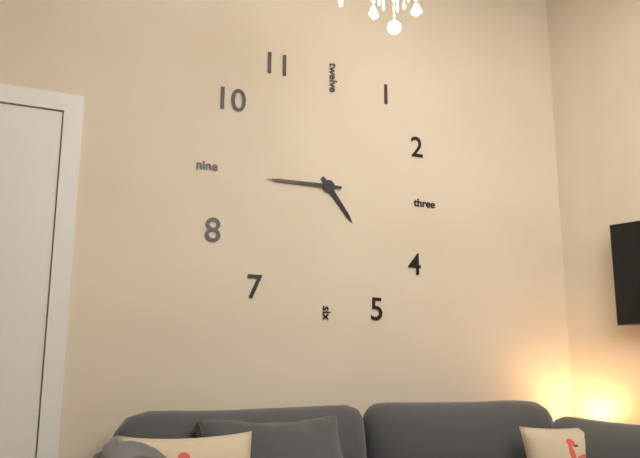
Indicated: **4:45**
